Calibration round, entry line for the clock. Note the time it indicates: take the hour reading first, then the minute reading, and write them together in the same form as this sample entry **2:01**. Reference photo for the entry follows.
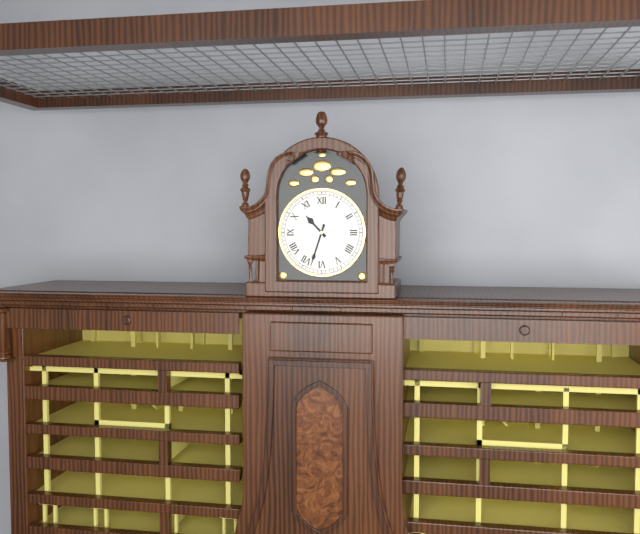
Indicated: **10:33**
